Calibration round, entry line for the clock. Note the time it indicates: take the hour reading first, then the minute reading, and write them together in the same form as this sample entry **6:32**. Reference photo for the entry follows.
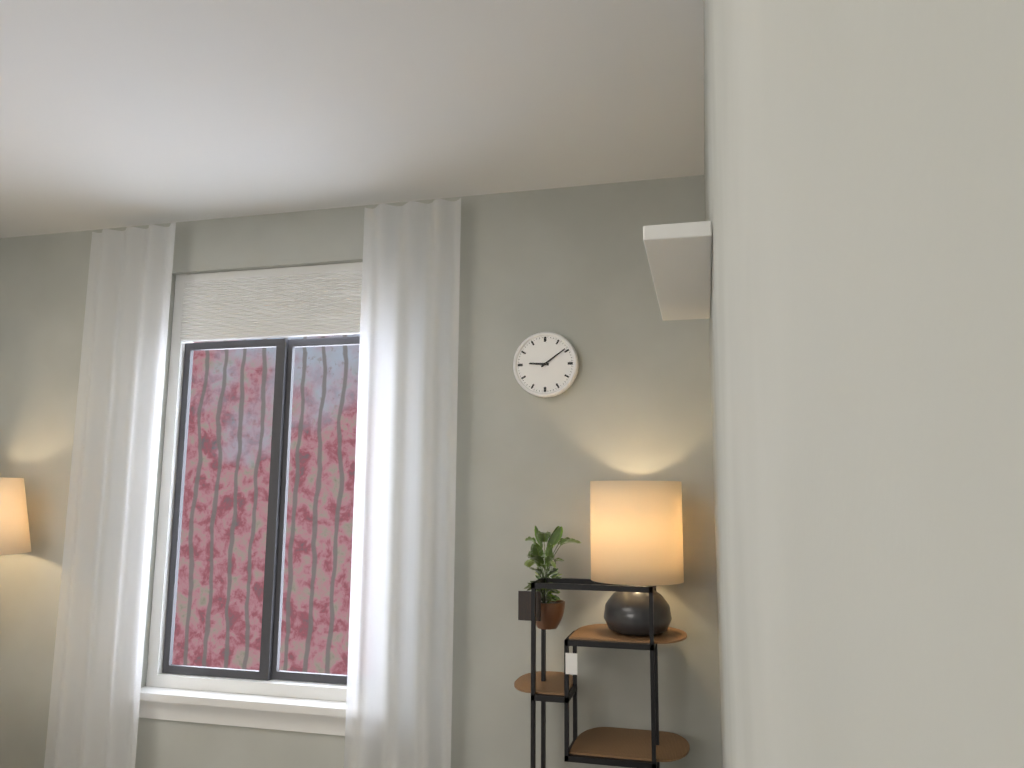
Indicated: **9:09**
